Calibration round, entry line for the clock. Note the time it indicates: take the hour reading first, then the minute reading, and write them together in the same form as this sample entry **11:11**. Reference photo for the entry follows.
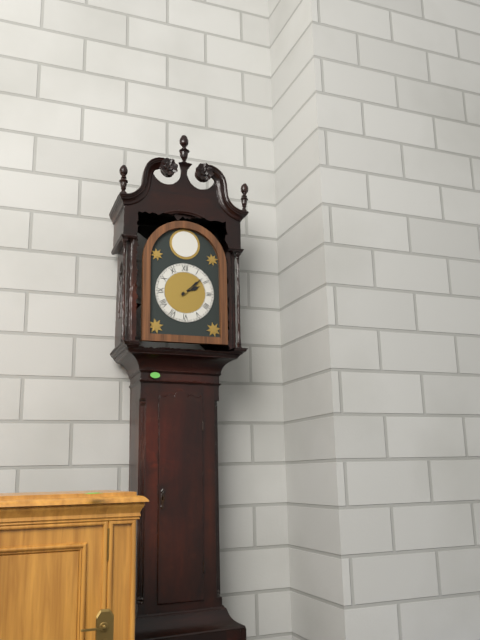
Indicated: **2:08**
